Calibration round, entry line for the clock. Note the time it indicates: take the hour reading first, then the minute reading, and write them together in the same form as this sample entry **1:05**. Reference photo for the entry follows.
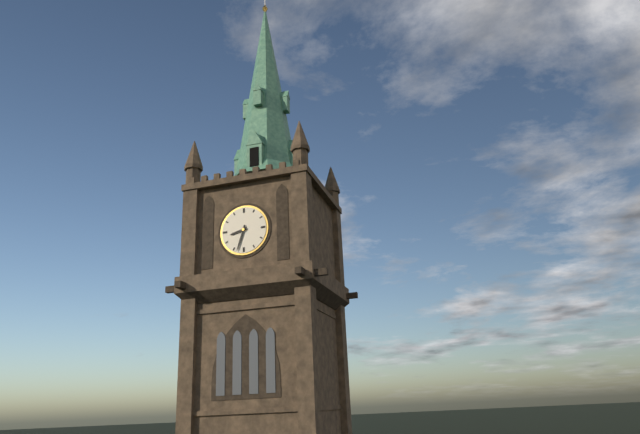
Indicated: **8:33**
